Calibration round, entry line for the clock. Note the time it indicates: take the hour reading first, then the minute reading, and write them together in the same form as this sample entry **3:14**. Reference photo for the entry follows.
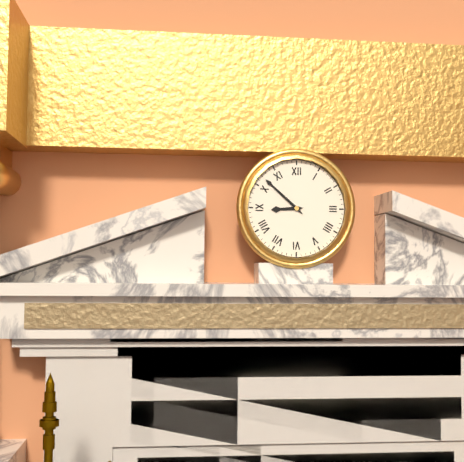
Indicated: **8:52**
